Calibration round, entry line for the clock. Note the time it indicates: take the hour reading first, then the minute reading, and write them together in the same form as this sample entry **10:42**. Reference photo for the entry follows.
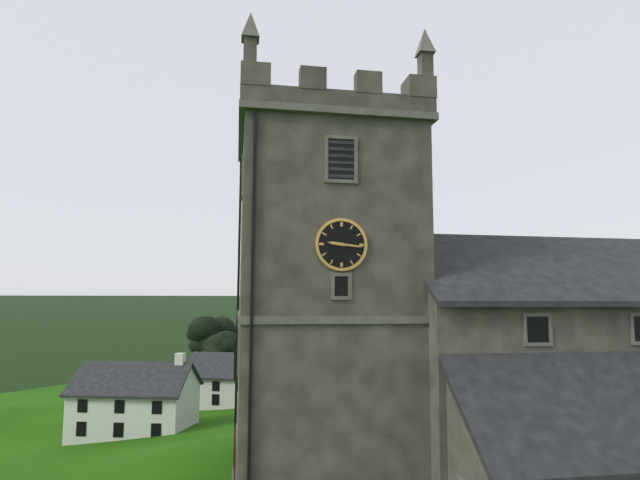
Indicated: **9:16**
